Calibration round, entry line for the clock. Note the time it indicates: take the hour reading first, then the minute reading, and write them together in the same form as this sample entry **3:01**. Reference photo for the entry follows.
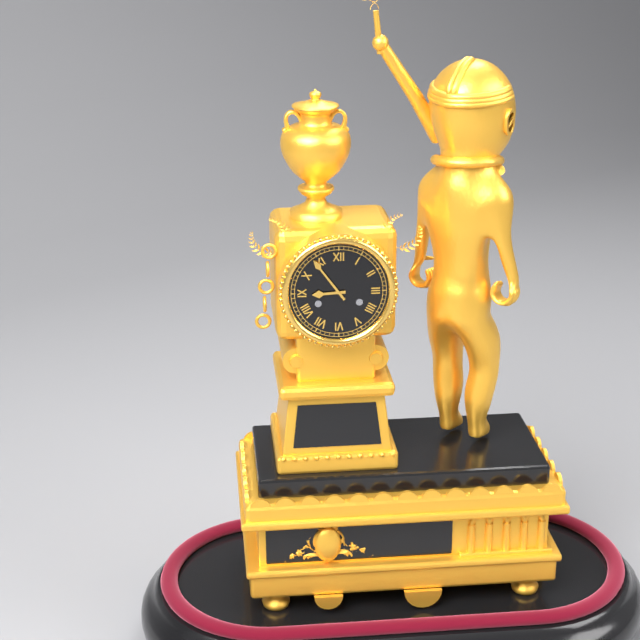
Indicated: **8:54**
